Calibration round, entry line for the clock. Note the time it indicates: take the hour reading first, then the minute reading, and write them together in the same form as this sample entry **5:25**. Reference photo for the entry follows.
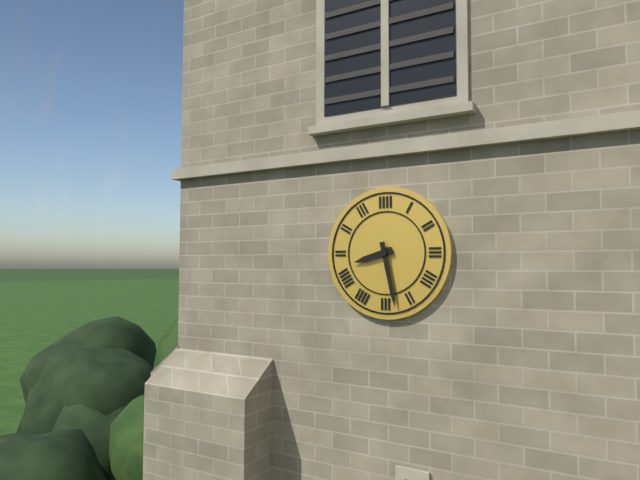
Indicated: **8:28**
